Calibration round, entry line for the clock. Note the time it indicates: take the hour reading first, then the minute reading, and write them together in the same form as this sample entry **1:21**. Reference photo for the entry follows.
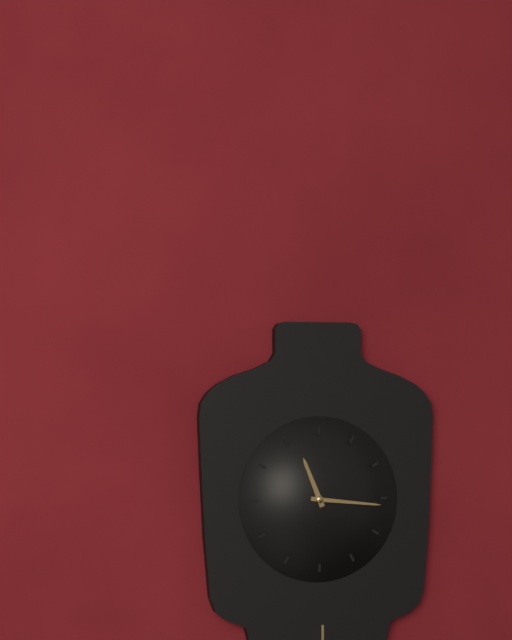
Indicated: **11:16**
